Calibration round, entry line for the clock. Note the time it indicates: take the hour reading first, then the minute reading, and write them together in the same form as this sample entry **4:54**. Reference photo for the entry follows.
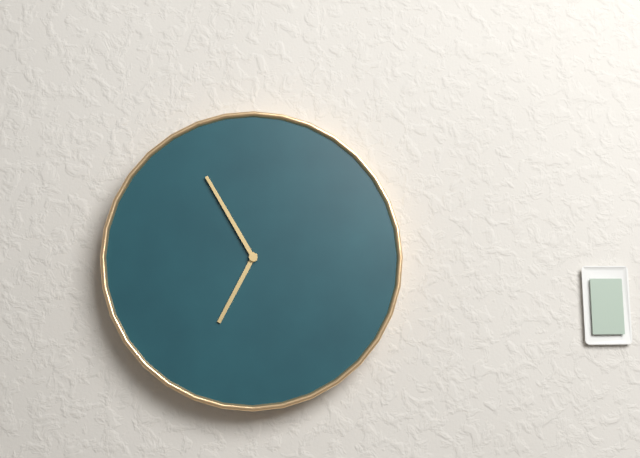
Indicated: **6:55**
